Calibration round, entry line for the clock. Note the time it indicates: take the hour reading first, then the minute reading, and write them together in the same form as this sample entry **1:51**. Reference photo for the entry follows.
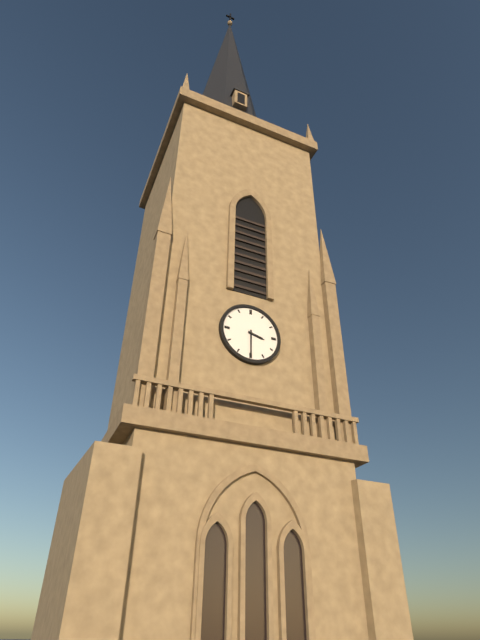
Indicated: **3:30**
